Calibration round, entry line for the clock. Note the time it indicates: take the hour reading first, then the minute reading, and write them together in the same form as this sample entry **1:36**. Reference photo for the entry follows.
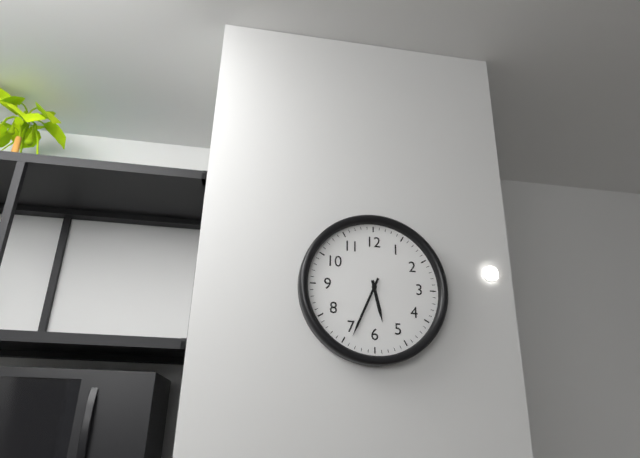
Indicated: **5:34**
